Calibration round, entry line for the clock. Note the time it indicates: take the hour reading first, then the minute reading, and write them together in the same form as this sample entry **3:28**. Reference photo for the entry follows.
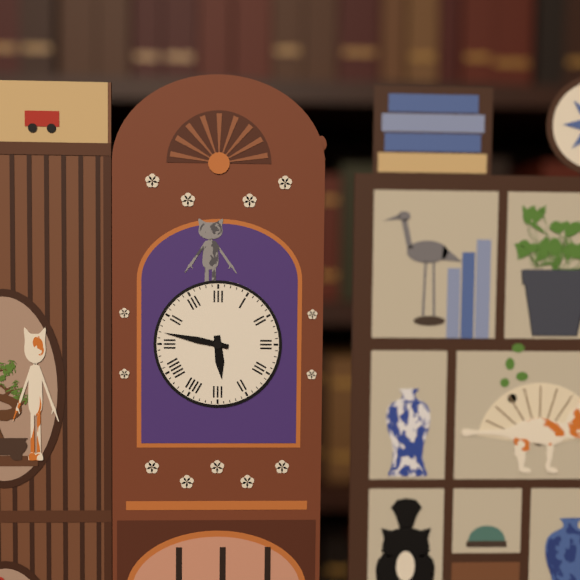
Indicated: **5:47**
